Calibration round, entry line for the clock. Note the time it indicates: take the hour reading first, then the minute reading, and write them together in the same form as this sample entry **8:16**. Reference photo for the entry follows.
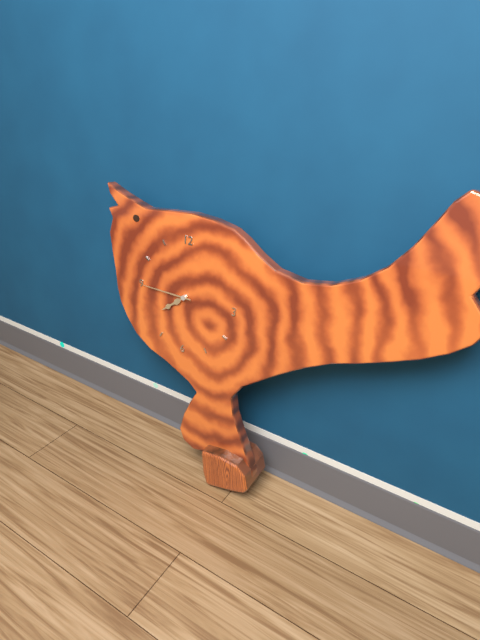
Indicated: **7:45**
